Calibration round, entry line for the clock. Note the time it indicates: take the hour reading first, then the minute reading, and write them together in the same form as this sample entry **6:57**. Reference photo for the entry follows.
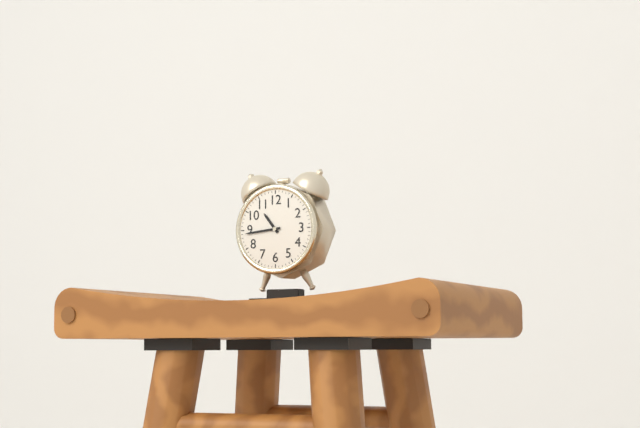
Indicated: **10:44**
